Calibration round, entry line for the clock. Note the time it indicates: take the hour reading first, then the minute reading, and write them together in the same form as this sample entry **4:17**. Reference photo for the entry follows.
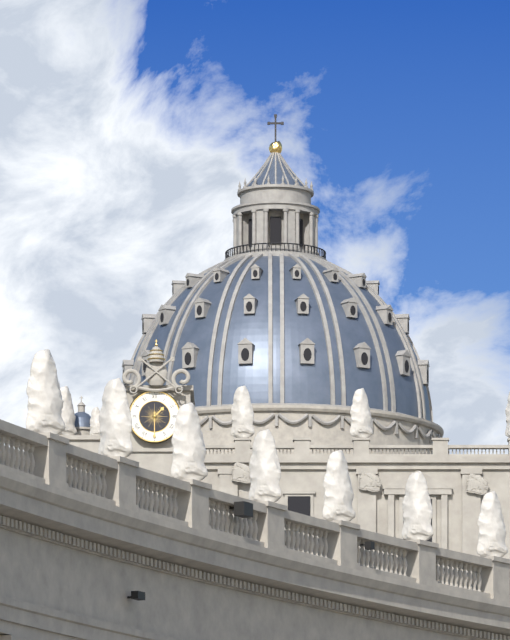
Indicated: **1:30**
